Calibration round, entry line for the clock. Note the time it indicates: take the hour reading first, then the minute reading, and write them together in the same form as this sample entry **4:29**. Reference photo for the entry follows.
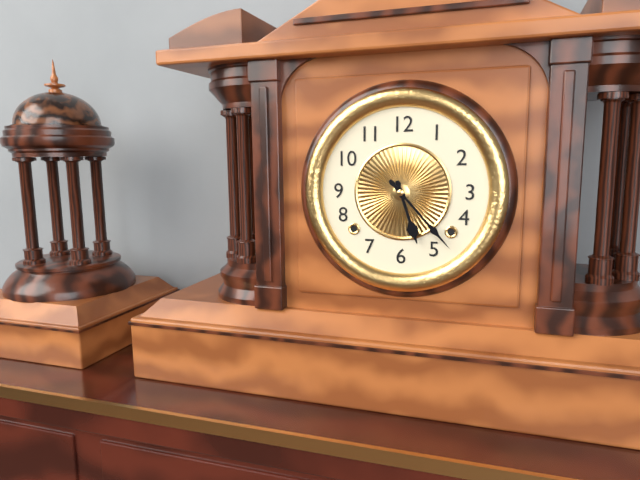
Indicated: **5:23**
